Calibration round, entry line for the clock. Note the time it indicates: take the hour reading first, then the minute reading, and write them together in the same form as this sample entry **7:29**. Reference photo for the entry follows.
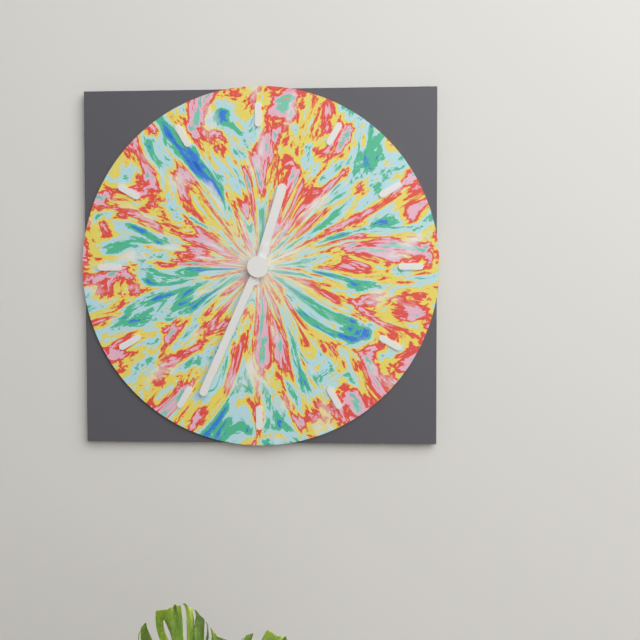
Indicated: **12:34**
